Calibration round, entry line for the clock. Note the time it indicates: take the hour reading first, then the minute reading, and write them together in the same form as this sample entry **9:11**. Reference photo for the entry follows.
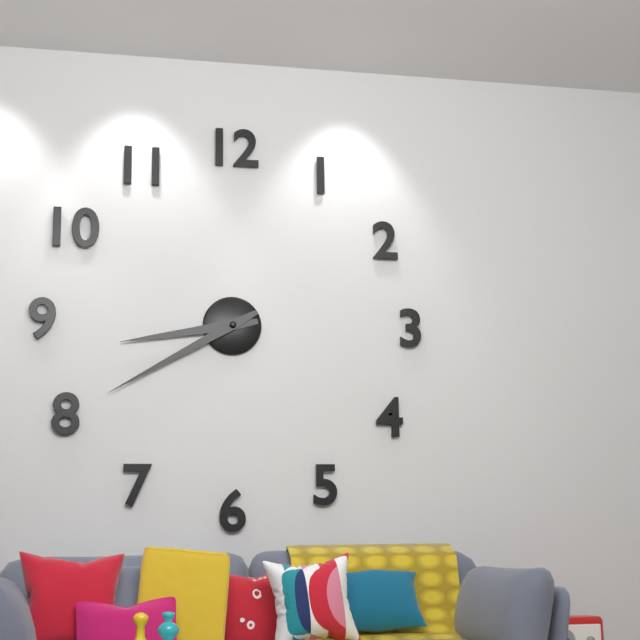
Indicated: **8:40**
